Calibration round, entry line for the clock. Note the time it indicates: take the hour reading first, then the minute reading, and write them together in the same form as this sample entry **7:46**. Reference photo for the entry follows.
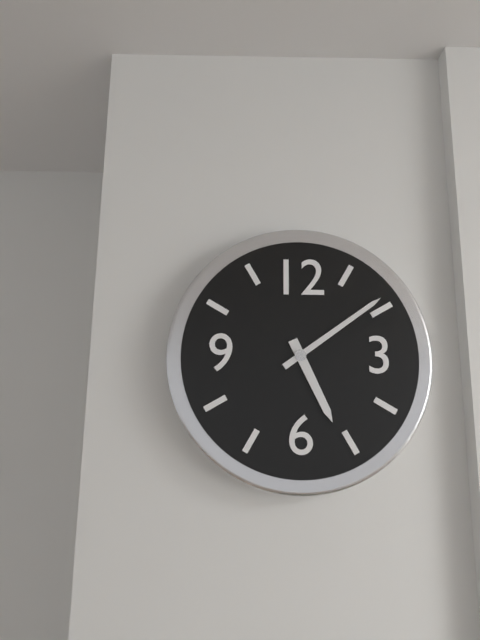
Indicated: **5:09**
